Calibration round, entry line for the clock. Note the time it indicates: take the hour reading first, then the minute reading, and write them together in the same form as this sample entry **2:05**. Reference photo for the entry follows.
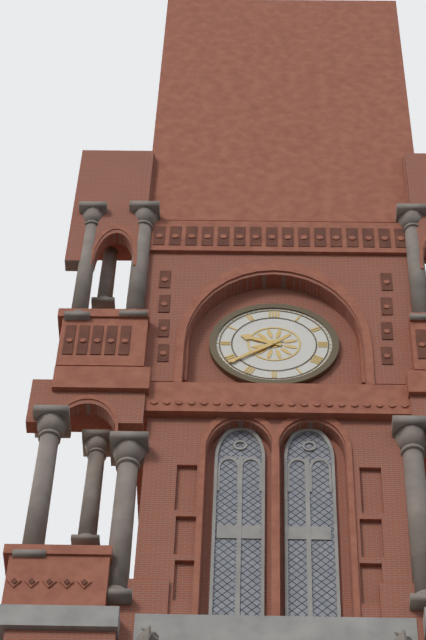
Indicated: **9:39**
